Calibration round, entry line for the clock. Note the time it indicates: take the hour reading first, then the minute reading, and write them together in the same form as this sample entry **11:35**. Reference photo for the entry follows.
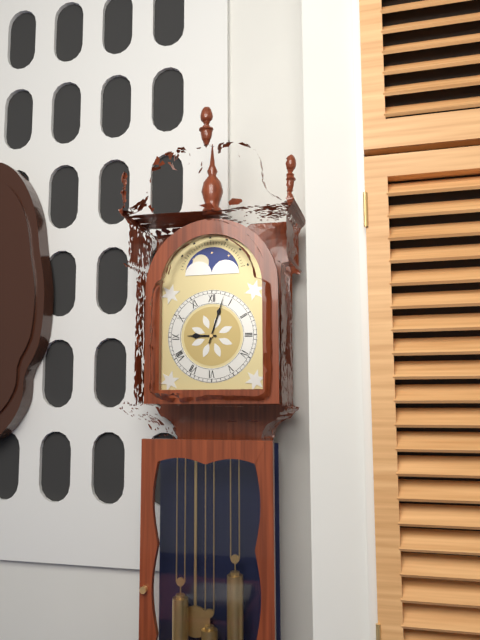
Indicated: **9:03**
